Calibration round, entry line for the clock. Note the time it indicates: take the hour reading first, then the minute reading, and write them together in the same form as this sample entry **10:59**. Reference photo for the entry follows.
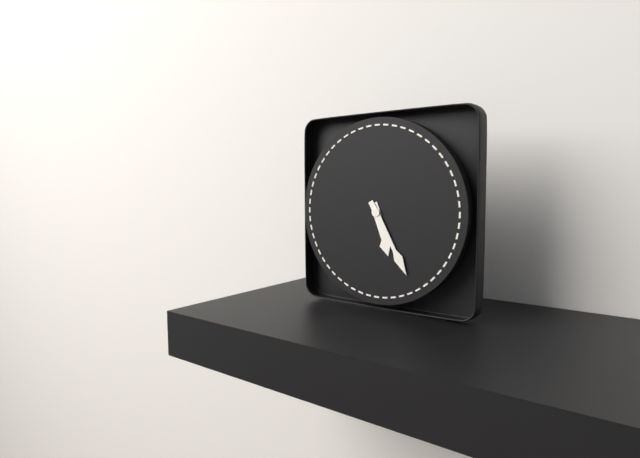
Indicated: **5:25**
